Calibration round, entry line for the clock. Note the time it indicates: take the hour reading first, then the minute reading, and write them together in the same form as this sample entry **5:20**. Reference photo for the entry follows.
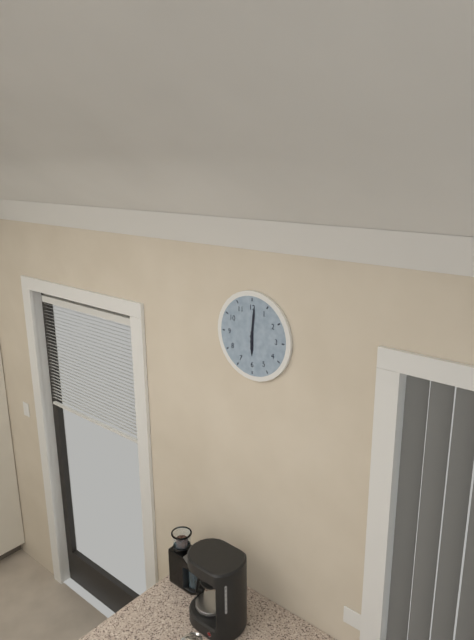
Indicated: **6:01**
